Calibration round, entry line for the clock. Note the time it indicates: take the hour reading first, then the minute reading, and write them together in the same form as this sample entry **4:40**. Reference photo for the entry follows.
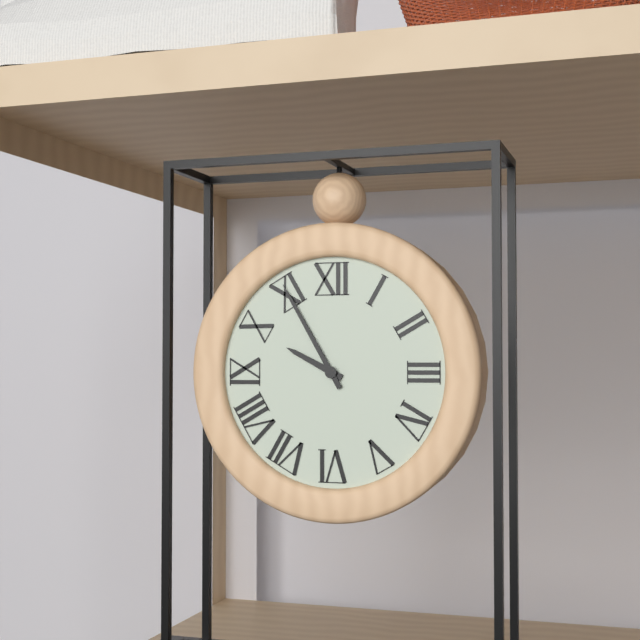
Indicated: **9:55**
